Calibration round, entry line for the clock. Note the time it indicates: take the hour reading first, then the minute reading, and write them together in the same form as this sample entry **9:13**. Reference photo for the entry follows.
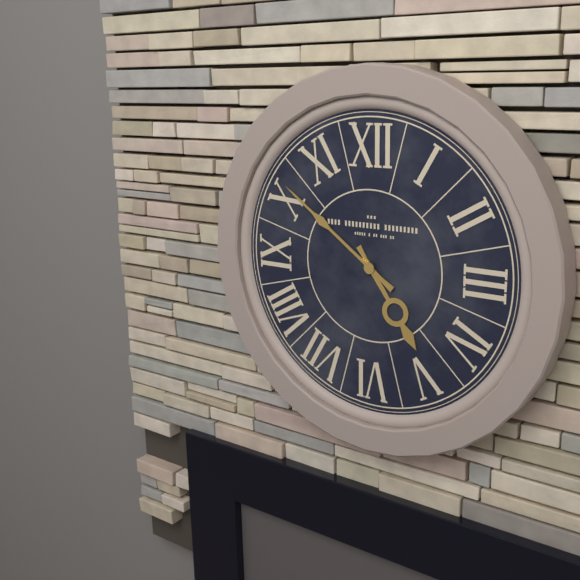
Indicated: **4:51**
